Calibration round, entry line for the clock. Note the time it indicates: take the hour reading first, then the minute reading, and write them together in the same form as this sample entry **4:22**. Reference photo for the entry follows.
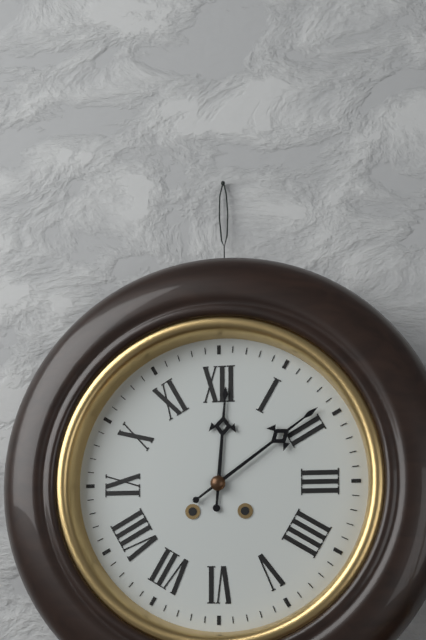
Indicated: **12:09**
